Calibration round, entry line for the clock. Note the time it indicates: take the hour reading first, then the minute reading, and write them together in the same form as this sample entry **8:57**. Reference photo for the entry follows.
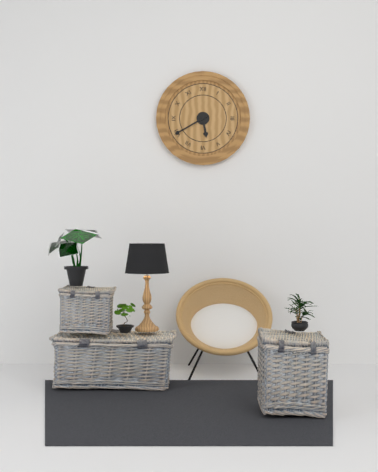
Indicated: **5:40**
